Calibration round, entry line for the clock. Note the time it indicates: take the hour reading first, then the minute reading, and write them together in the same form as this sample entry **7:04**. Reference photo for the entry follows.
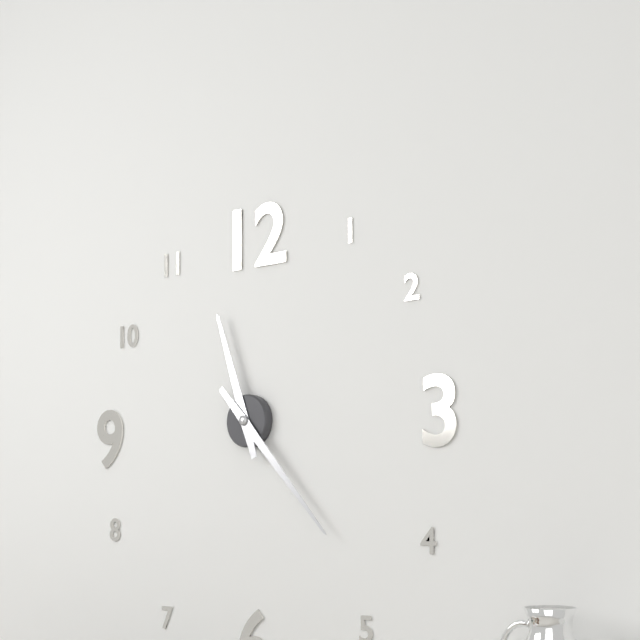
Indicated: **11:23**
